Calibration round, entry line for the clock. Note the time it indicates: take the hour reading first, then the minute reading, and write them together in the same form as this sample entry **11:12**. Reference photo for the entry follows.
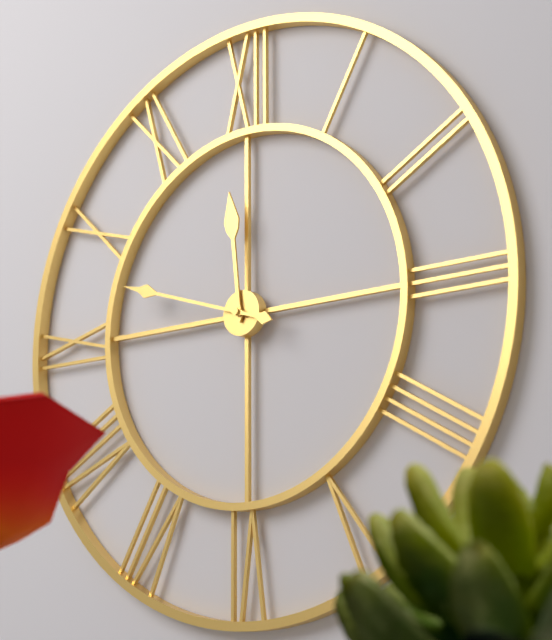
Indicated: **11:48**
